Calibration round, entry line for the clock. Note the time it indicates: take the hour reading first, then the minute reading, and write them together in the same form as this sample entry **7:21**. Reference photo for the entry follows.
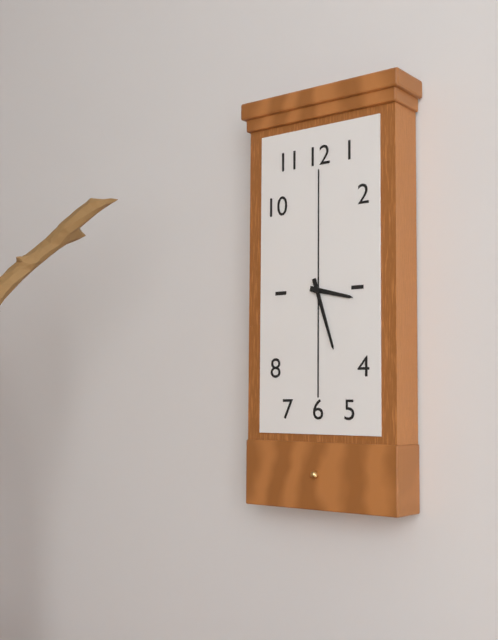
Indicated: **3:27**
